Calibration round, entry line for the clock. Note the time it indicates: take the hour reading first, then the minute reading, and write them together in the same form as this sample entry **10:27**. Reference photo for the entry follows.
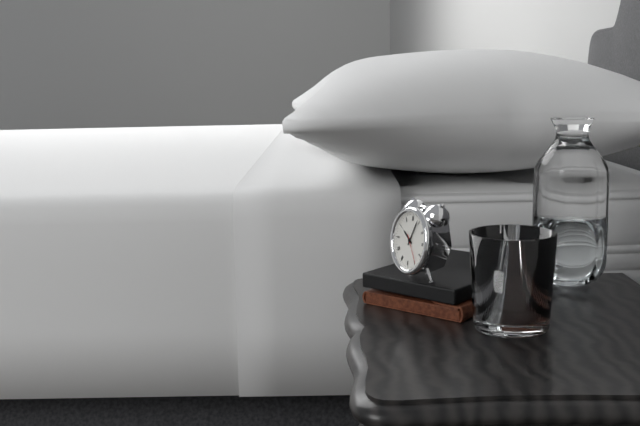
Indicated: **10:04**
